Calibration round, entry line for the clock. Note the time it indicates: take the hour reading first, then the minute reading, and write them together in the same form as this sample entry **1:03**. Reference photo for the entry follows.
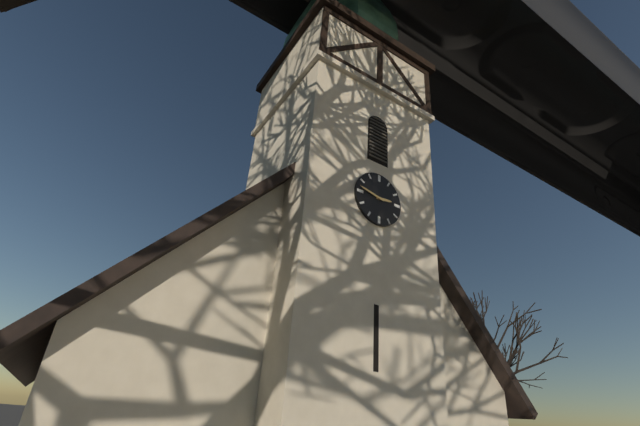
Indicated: **2:47**
